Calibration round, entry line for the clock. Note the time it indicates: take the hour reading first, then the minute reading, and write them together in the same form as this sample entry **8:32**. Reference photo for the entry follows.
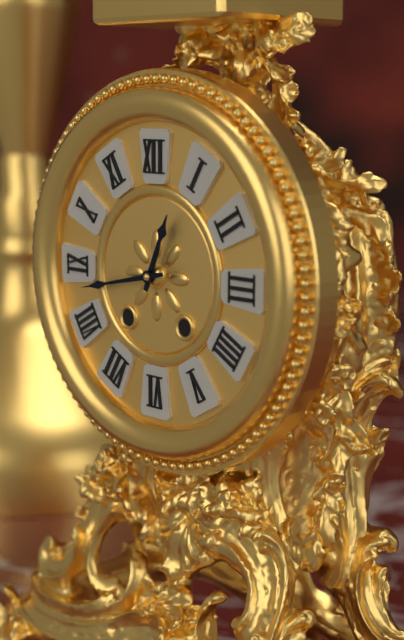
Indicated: **12:43**
